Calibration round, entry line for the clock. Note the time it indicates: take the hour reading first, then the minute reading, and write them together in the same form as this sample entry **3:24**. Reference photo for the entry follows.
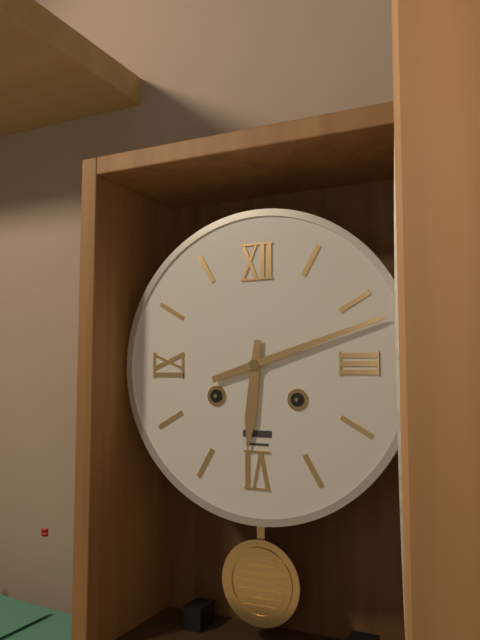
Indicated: **6:12**
